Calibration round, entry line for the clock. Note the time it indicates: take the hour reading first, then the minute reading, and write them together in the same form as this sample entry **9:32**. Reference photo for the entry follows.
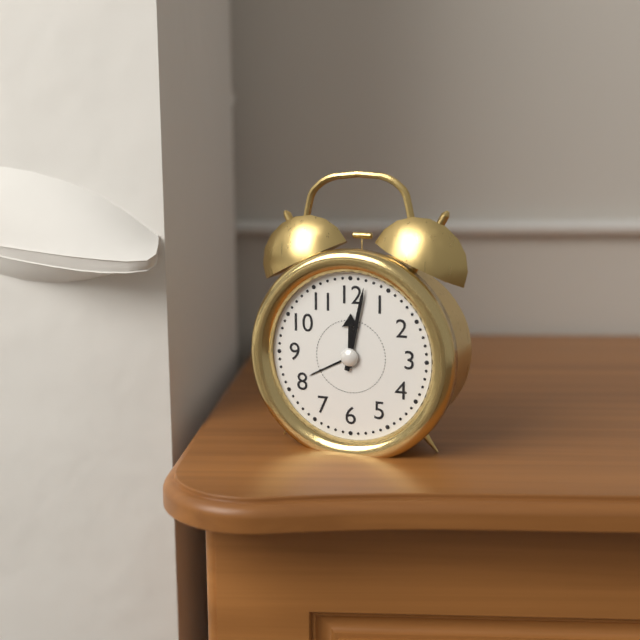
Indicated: **12:02**
